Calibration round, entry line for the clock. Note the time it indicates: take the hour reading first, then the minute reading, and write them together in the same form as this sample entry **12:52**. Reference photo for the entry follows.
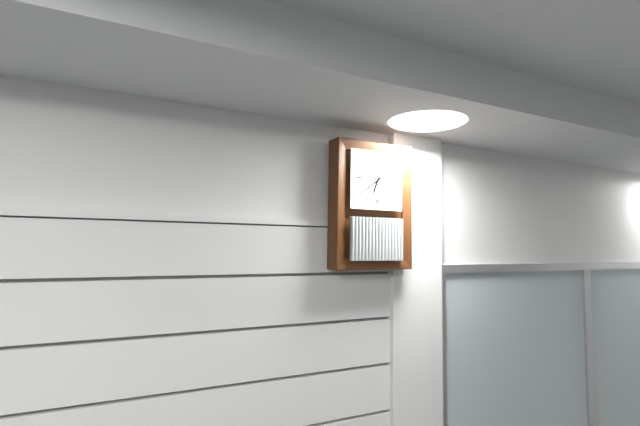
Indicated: **6:39**
